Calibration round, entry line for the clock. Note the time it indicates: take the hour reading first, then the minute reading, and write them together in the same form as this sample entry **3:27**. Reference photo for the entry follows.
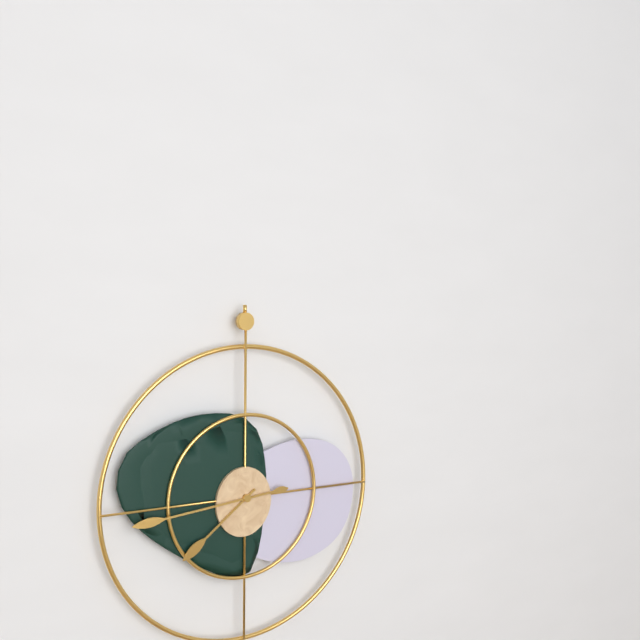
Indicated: **7:44**
